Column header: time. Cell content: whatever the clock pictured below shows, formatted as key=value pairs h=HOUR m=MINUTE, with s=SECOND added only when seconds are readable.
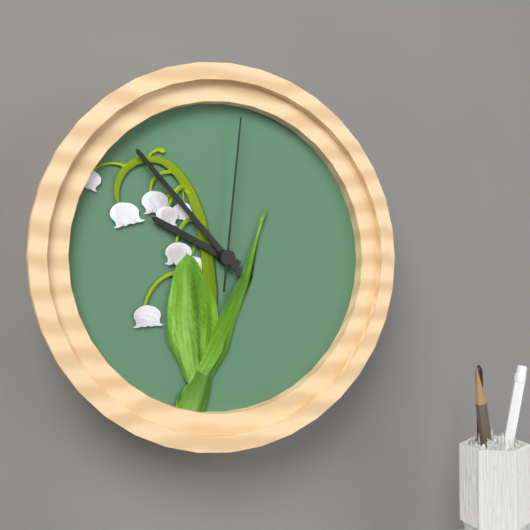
h=9 m=53 s=1
